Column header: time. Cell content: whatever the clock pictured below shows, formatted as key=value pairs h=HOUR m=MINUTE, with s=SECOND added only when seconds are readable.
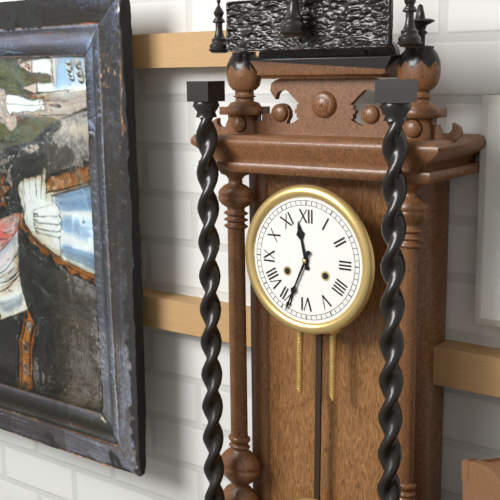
h=11 m=34
